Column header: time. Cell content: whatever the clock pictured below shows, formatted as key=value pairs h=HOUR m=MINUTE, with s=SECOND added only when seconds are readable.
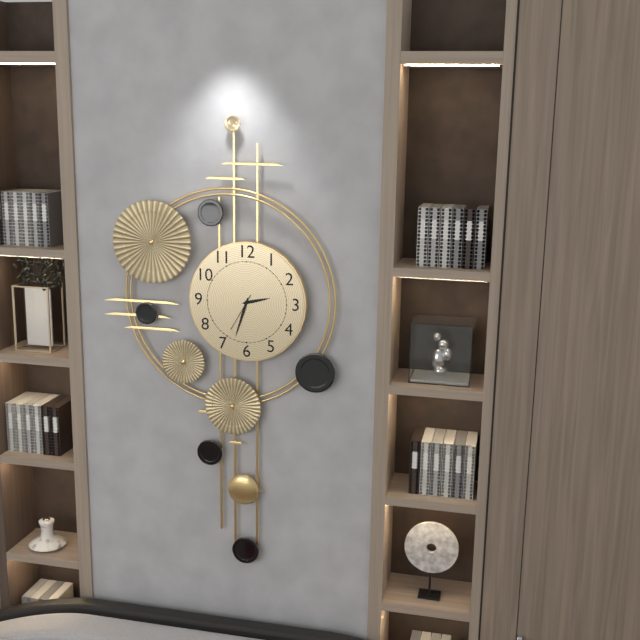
h=2 m=33
